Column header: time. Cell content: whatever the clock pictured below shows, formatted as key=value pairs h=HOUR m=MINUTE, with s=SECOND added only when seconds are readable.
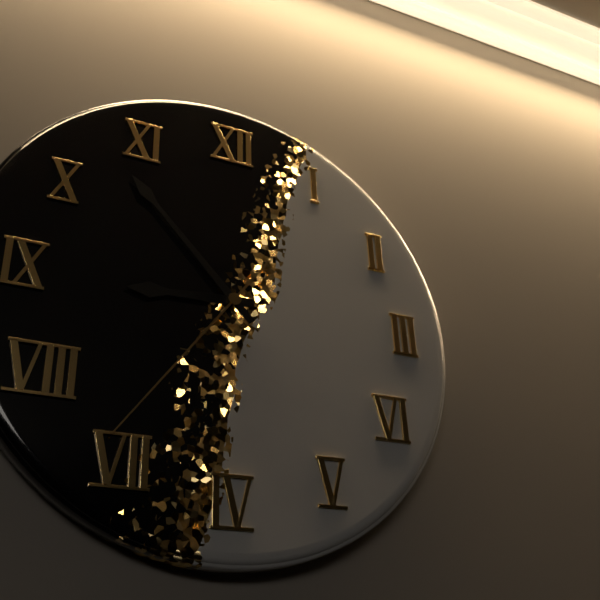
h=8 m=53 s=36
